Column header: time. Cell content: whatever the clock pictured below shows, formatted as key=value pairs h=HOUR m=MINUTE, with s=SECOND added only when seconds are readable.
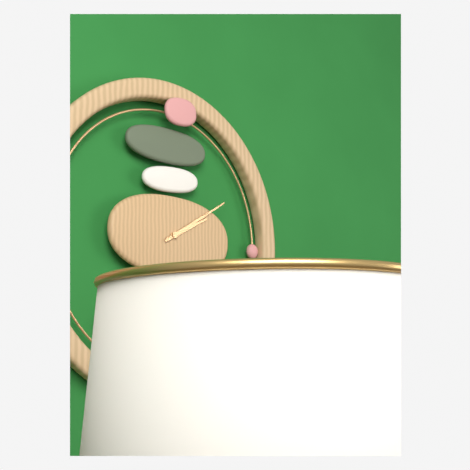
h=2 m=10
